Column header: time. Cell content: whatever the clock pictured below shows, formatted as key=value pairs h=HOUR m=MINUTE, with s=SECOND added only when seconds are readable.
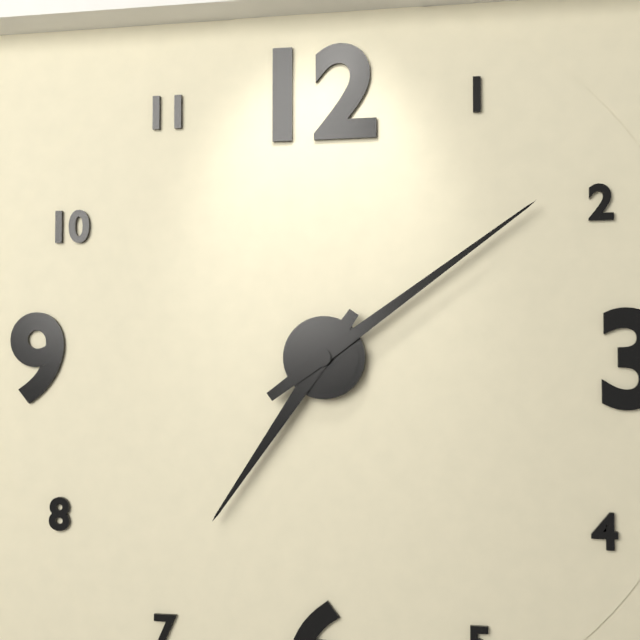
h=7 m=9
